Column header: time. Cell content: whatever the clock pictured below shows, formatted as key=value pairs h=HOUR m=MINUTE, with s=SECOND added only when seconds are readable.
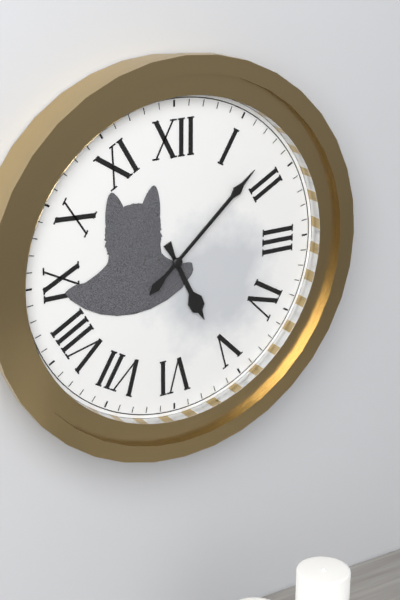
h=5 m=8
